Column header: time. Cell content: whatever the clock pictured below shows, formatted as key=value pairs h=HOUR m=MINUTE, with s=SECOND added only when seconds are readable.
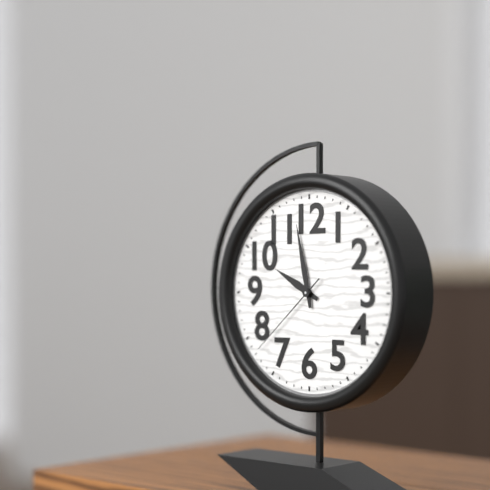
h=9 m=58 s=38
